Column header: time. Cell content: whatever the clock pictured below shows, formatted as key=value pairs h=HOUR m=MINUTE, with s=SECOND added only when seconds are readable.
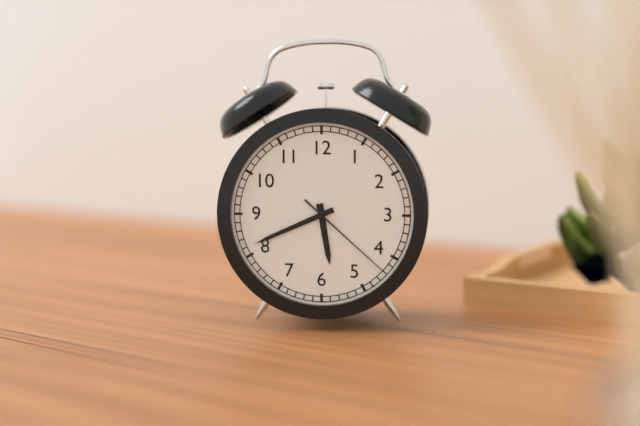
h=5 m=41 s=22
